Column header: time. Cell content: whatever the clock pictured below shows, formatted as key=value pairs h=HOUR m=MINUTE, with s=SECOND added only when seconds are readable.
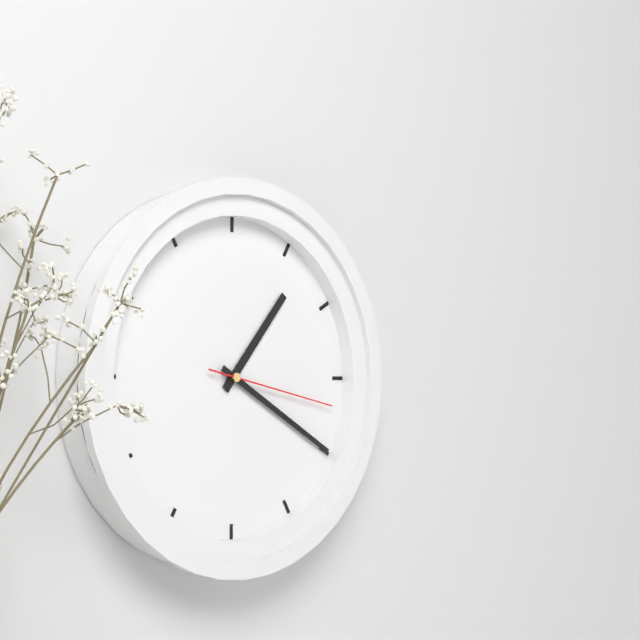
h=1 m=20 s=17
